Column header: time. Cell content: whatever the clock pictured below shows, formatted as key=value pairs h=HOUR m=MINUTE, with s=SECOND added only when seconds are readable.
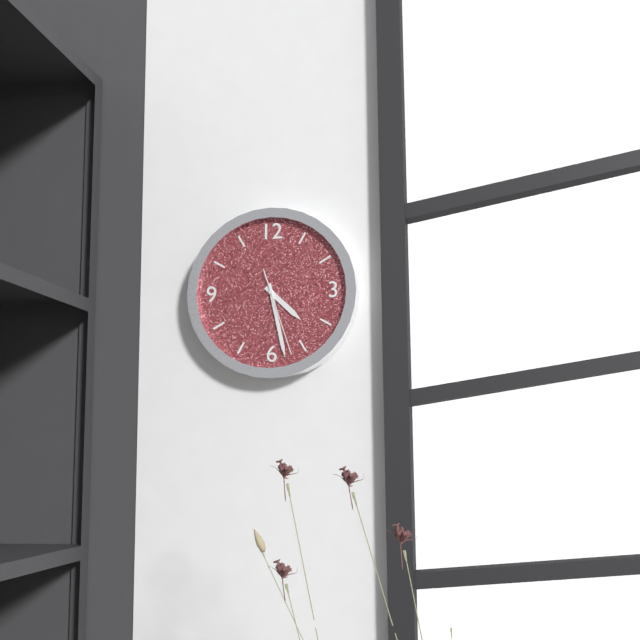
h=4 m=28 s=27
